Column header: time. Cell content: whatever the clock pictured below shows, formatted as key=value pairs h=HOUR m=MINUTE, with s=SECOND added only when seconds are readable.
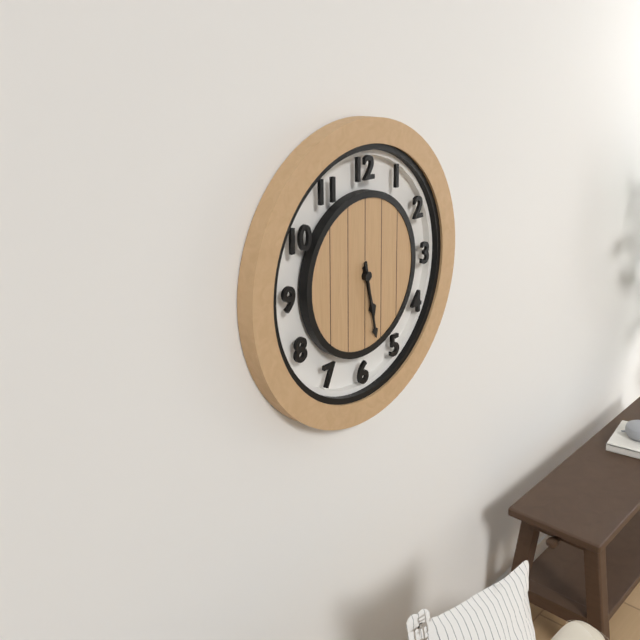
h=5 m=28
